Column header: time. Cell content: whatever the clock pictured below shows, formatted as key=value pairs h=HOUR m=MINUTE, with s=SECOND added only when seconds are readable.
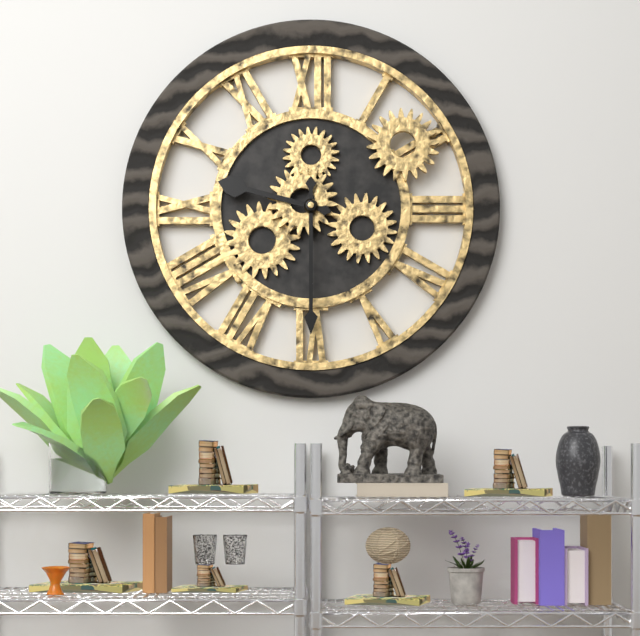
h=9 m=30
